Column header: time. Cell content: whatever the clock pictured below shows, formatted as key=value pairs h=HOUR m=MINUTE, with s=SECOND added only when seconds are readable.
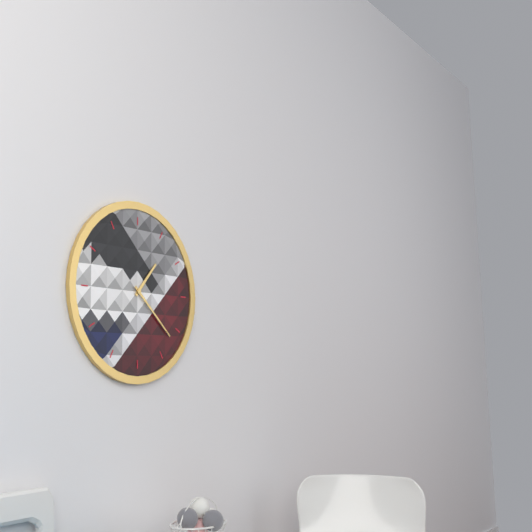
h=1 m=22
